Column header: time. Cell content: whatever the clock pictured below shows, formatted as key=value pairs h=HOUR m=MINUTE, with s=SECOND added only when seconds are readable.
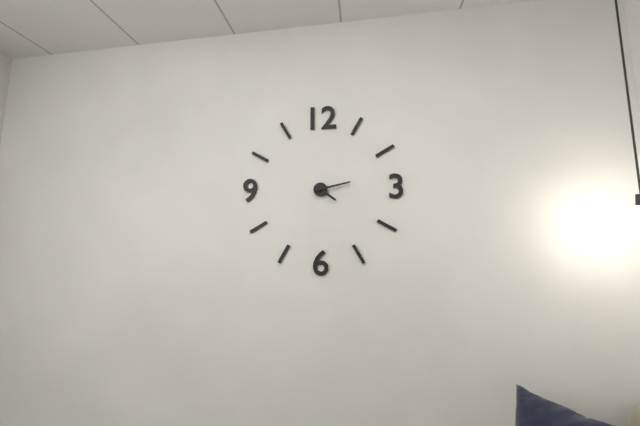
h=4 m=13
